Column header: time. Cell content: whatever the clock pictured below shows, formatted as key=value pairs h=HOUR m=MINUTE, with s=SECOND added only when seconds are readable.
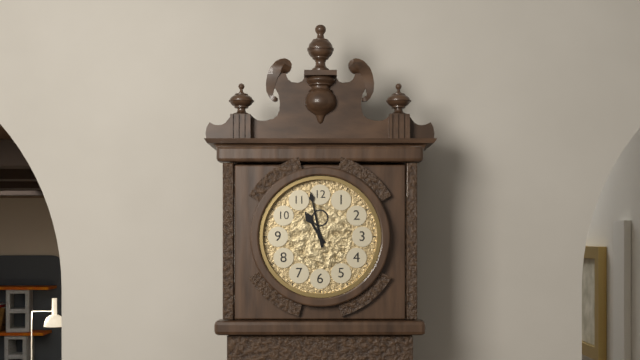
h=10 m=58
